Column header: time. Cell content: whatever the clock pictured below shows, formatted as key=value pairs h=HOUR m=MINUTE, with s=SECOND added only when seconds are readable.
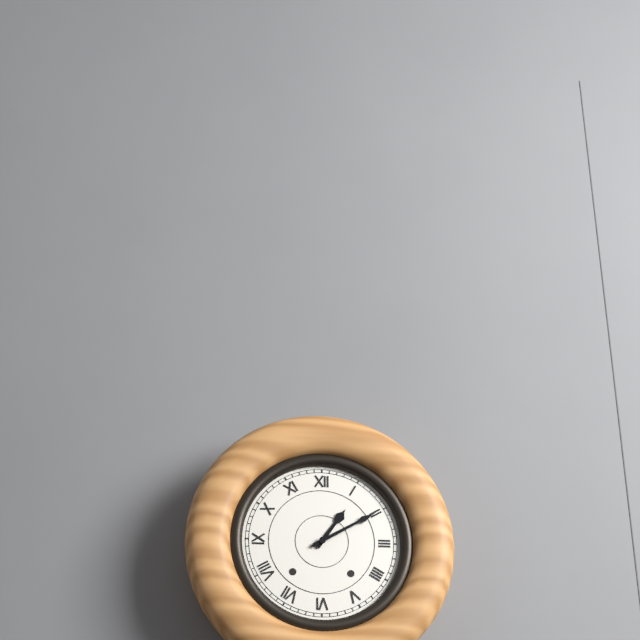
h=1 m=10
